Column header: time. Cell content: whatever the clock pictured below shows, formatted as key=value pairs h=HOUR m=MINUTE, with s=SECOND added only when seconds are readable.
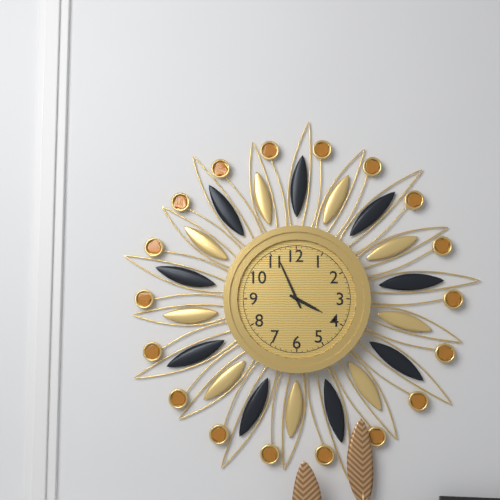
h=3 m=56
